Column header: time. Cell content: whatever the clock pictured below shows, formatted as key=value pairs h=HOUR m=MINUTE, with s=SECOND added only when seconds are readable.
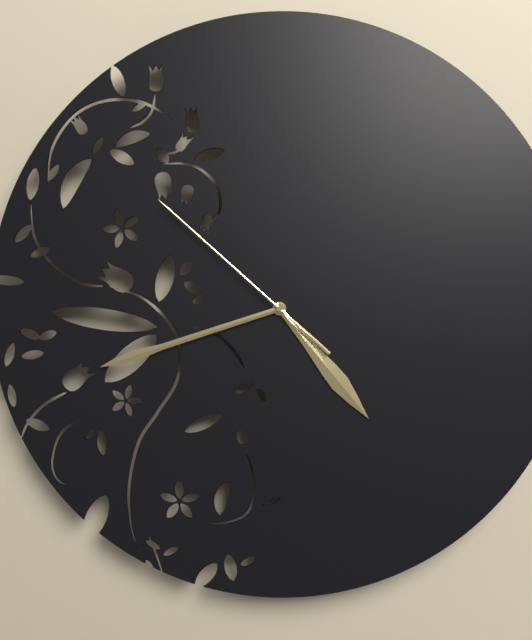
h=4 m=42 s=52
